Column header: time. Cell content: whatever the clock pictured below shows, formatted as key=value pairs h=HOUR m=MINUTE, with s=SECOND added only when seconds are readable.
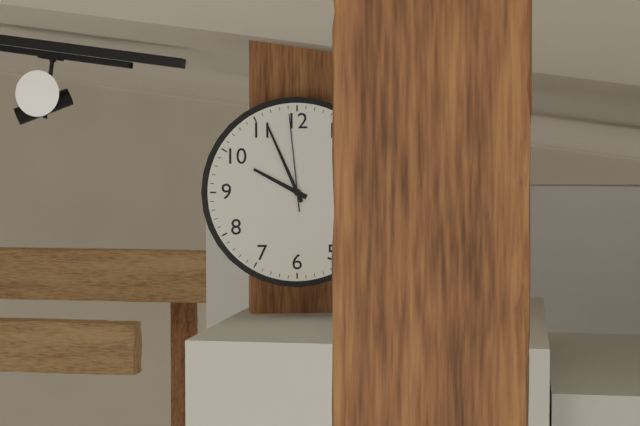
h=9 m=56 s=59
